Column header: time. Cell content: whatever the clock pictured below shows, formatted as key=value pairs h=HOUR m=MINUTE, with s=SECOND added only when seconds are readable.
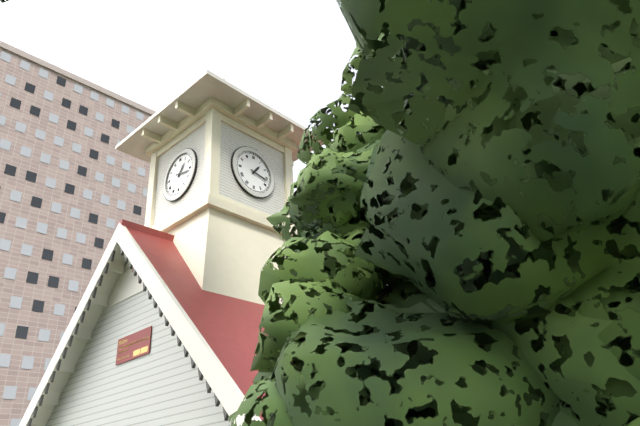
h=1 m=17
